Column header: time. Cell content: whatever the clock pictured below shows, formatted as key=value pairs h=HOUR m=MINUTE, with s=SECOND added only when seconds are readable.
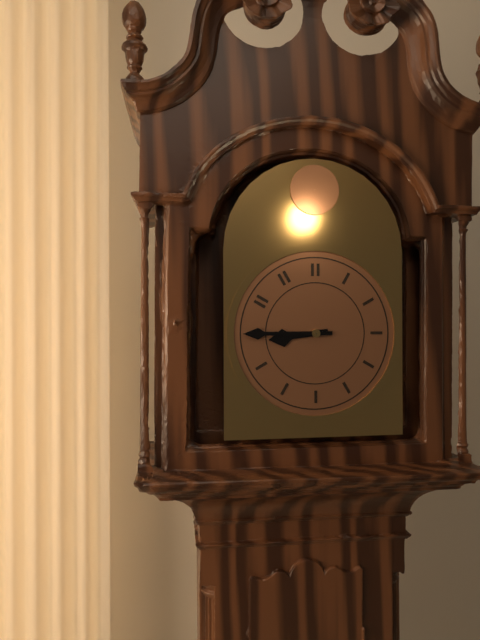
h=8 m=45
